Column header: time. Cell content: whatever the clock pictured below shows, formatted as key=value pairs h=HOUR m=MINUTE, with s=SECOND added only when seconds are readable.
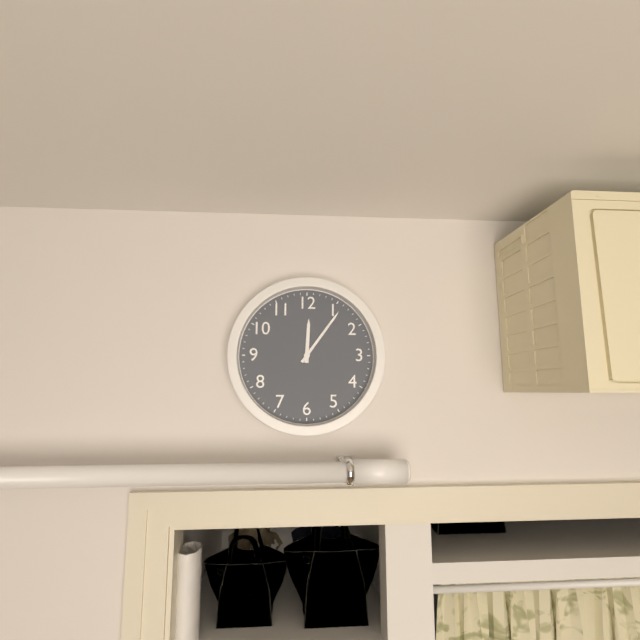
h=12 m=6
